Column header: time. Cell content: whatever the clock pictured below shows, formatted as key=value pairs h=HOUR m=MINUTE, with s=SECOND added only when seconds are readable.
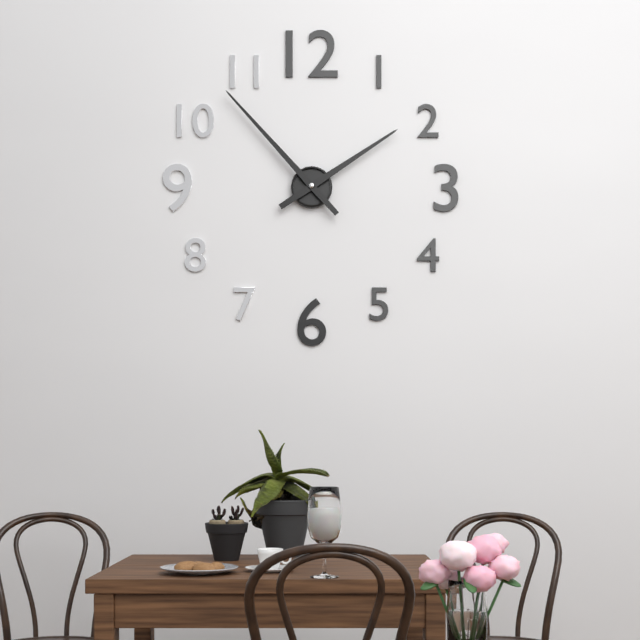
h=1 m=53
